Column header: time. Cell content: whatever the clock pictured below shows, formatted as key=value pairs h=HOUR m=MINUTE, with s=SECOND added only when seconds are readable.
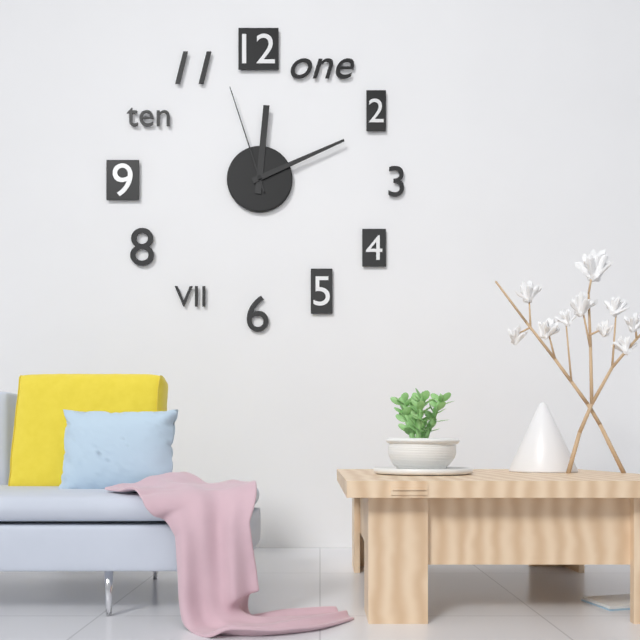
h=12 m=11 s=57
